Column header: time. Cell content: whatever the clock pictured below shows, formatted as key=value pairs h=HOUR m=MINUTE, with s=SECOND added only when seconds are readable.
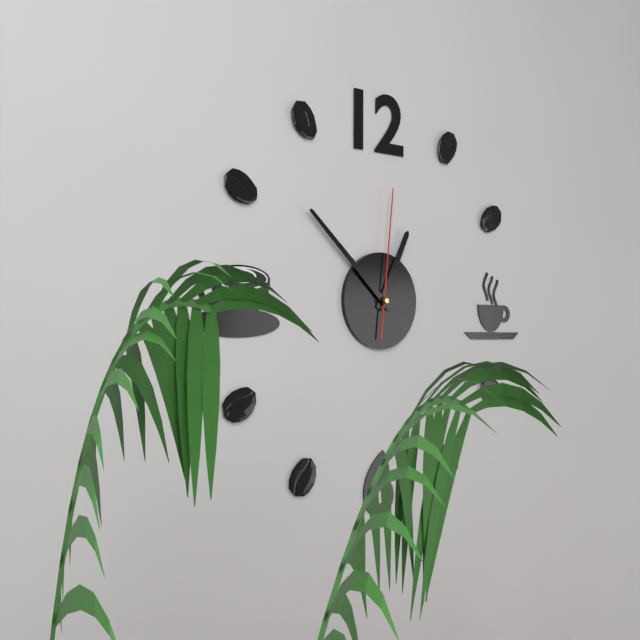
h=12 m=52 s=1
